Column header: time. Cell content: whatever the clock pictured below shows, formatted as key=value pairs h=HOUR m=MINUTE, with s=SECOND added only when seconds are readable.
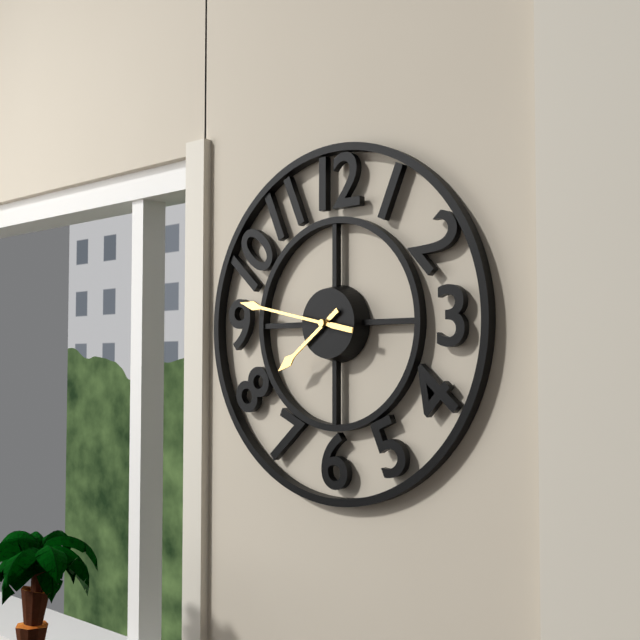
h=7 m=47
